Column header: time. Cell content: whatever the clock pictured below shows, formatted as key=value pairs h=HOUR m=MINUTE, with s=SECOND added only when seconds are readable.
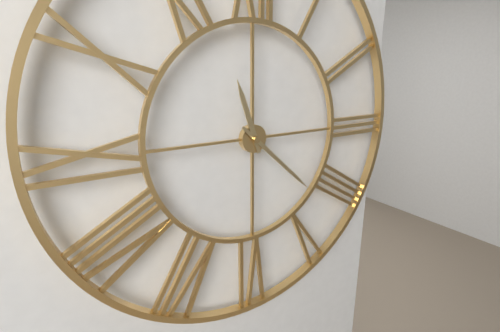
h=11 m=22
